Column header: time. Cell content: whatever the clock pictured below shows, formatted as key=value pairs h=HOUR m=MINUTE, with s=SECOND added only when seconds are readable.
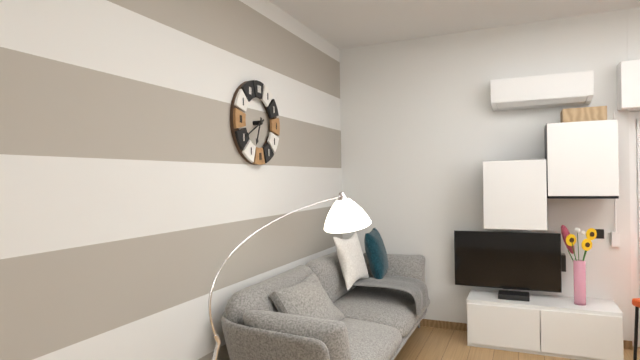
h=6 m=40
